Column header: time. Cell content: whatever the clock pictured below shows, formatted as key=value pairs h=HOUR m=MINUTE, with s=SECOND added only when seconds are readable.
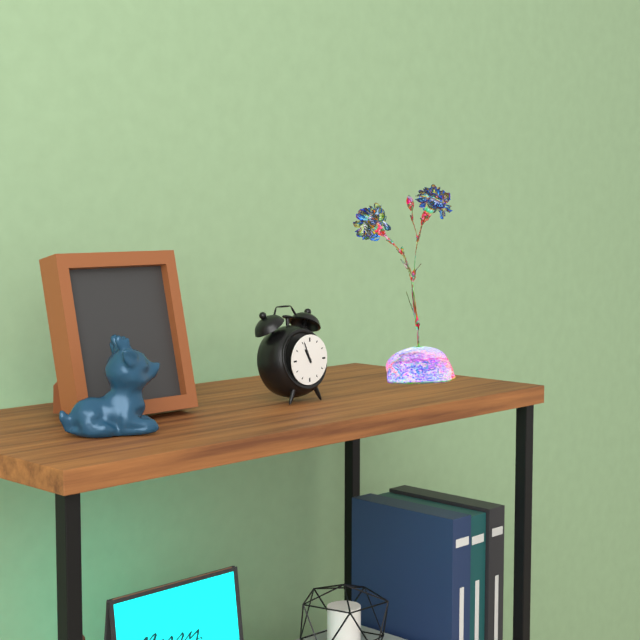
h=10 m=56
